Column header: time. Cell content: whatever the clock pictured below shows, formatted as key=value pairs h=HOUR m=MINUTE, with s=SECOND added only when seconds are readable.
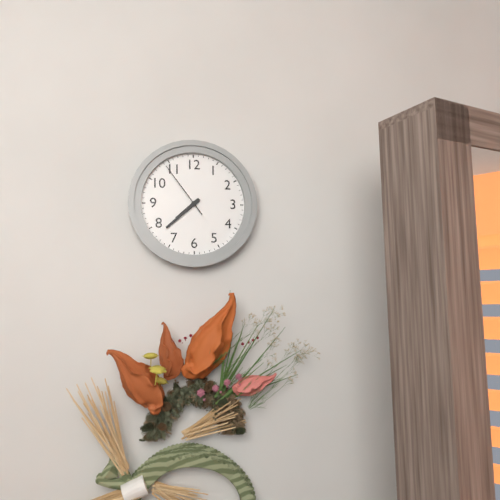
h=7 m=38 s=54
